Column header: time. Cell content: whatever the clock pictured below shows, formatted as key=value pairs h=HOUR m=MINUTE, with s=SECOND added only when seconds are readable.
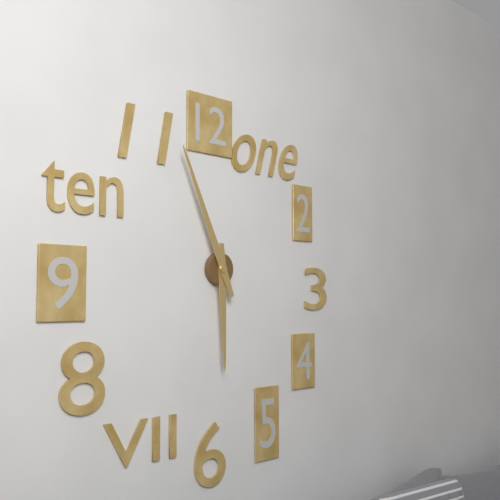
h=5 m=56
